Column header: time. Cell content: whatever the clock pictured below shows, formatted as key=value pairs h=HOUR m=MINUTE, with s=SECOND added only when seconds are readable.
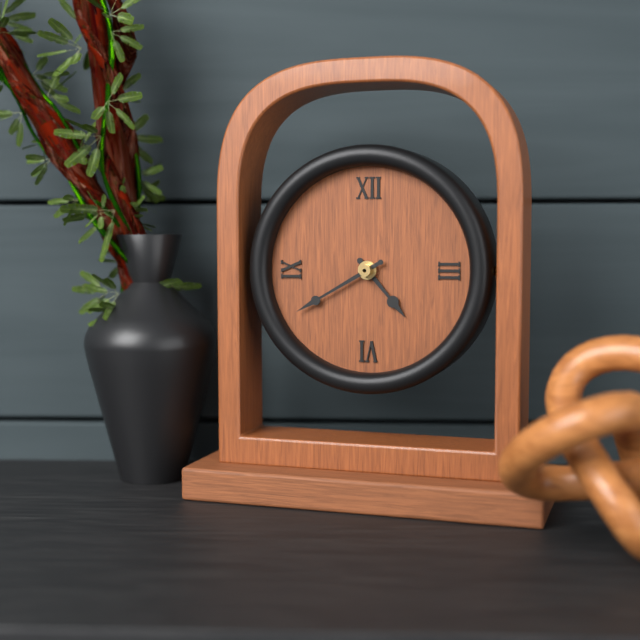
h=4 m=40
